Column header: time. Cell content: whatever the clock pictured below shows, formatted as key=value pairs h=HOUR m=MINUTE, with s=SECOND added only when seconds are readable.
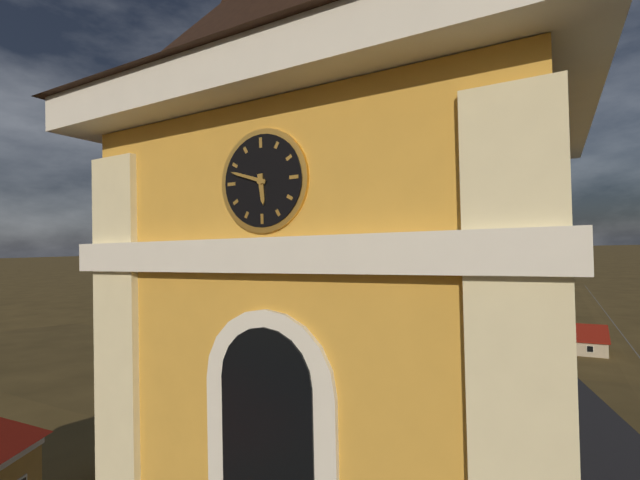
h=5 m=48
